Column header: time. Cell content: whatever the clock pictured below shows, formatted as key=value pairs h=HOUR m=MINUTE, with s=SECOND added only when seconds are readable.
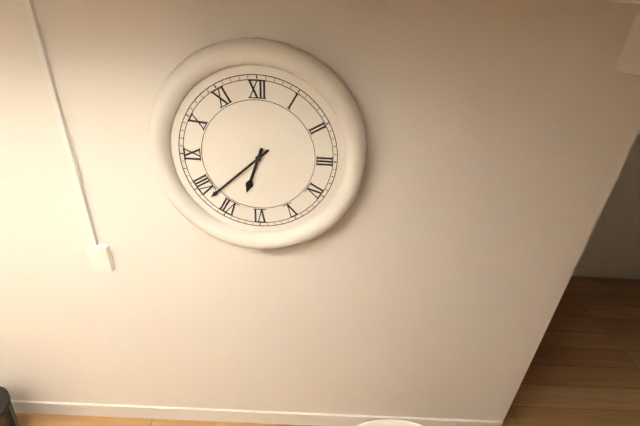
h=6 m=38
